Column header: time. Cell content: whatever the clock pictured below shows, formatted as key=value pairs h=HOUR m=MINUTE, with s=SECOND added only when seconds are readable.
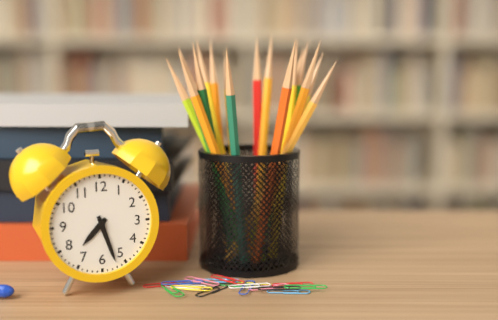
h=7 m=27
